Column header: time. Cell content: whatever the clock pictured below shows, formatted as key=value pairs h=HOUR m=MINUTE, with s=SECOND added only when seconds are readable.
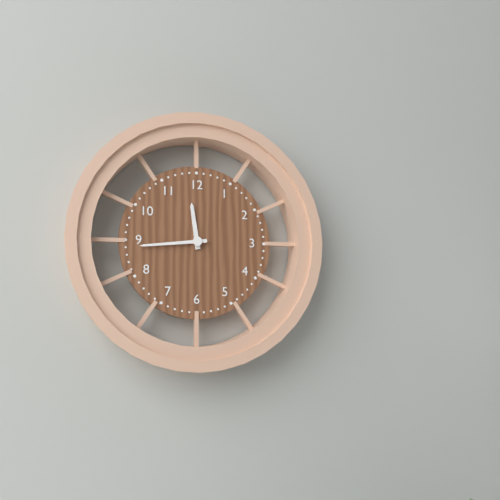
h=11 m=44
